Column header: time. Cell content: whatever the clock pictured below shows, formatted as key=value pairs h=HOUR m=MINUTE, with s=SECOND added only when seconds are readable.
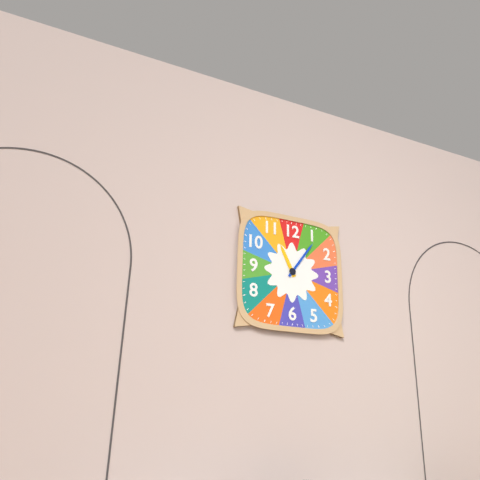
h=11 m=6
